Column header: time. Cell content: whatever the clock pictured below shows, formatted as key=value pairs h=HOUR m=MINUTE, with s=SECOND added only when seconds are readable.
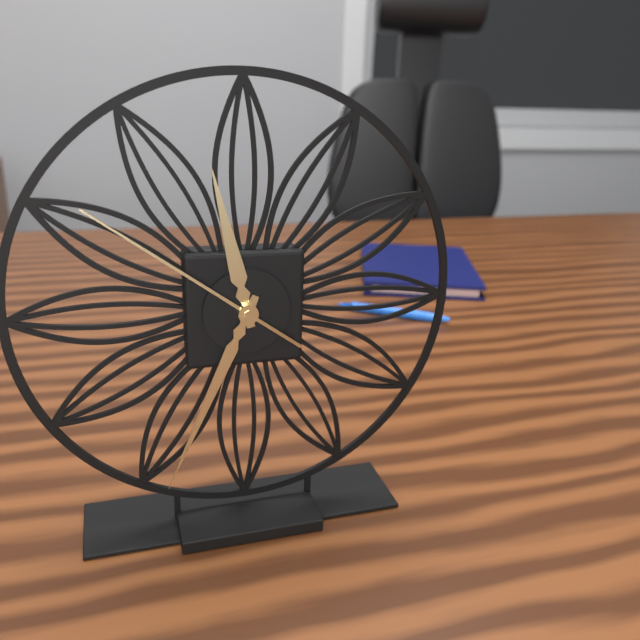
h=11 m=34 s=51
